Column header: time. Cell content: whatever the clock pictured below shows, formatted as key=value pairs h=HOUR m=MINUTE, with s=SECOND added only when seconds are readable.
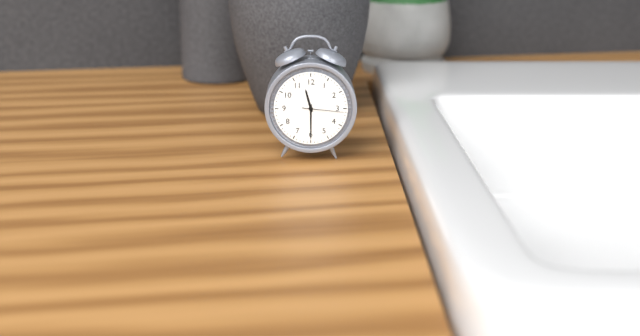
h=11 m=30
